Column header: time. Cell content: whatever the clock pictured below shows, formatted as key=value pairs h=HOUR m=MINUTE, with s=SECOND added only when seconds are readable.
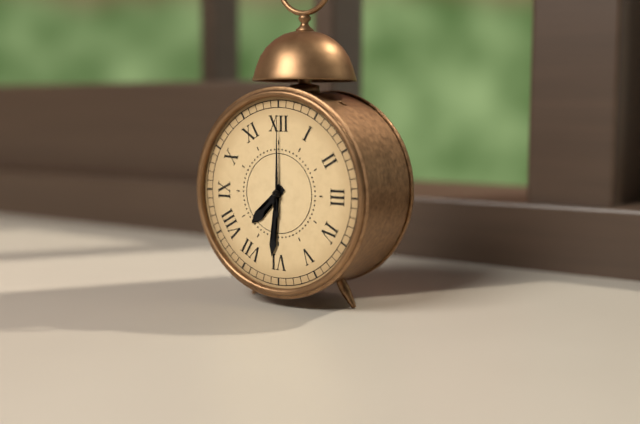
h=7 m=31 s=0
